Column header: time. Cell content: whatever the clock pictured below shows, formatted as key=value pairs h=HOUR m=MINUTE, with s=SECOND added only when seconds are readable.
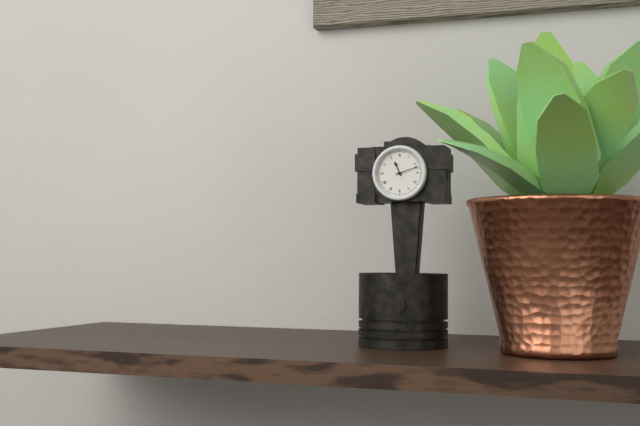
h=11 m=12
